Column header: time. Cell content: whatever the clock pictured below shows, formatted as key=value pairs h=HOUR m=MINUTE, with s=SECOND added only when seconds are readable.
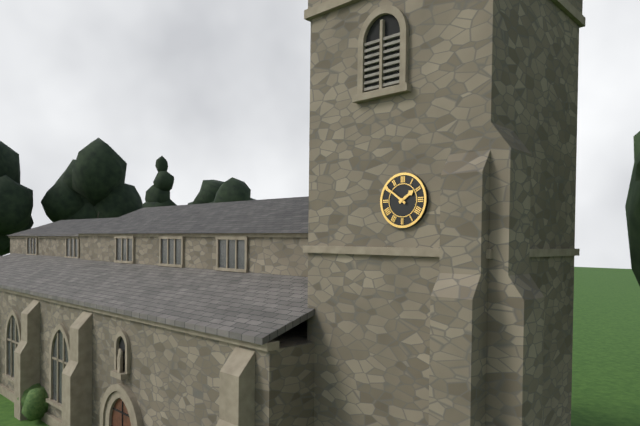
h=1 m=51
